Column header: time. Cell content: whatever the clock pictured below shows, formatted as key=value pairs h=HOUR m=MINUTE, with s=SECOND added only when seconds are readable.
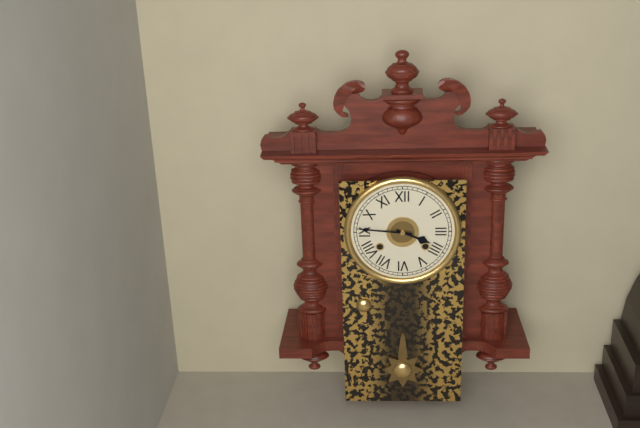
h=3 m=46
